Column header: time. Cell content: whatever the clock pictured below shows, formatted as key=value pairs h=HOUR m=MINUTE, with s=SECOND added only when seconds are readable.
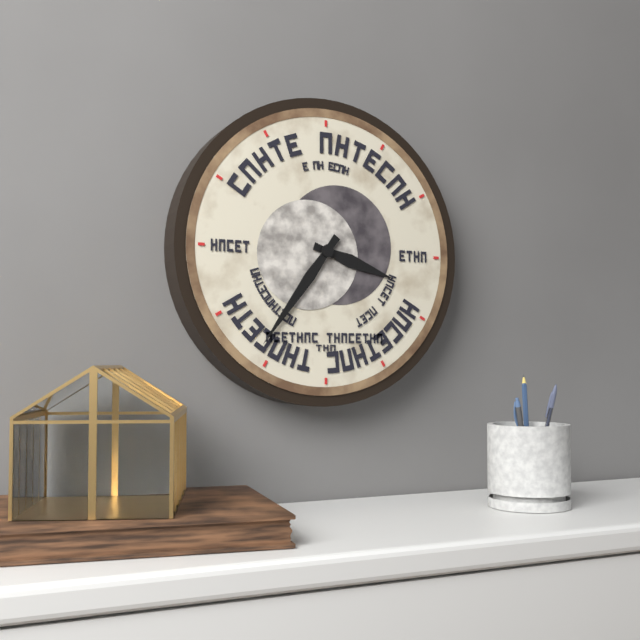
h=3 m=36
